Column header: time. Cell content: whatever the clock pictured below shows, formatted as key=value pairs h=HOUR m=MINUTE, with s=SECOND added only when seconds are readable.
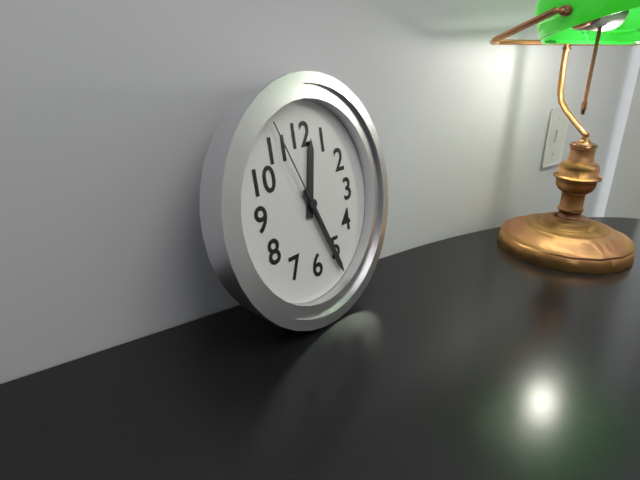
h=12 m=26 s=56
